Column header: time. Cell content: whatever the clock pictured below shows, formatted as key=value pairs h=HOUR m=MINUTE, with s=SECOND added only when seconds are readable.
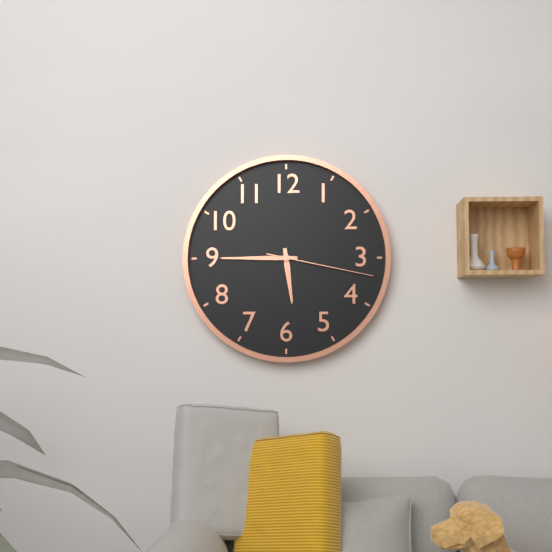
h=5 m=45 s=17
